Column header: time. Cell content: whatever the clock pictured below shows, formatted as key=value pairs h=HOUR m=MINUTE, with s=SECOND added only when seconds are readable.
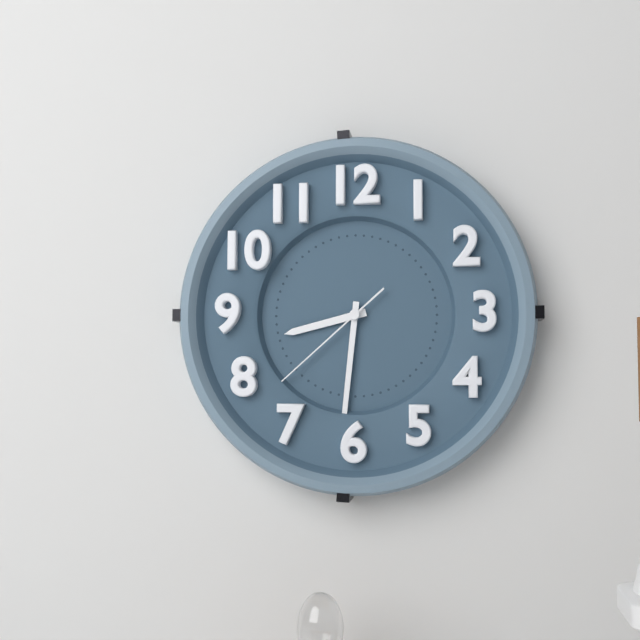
h=8 m=31 s=38
